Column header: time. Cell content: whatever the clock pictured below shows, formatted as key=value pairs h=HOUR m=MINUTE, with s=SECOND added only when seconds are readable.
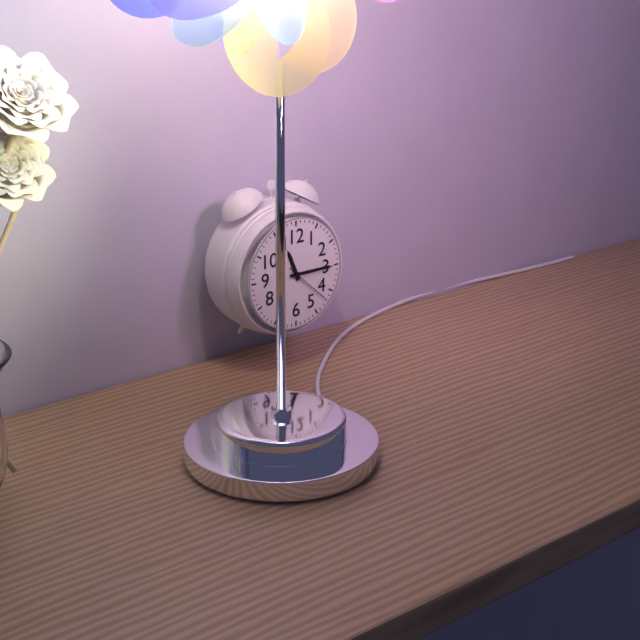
h=11 m=15
